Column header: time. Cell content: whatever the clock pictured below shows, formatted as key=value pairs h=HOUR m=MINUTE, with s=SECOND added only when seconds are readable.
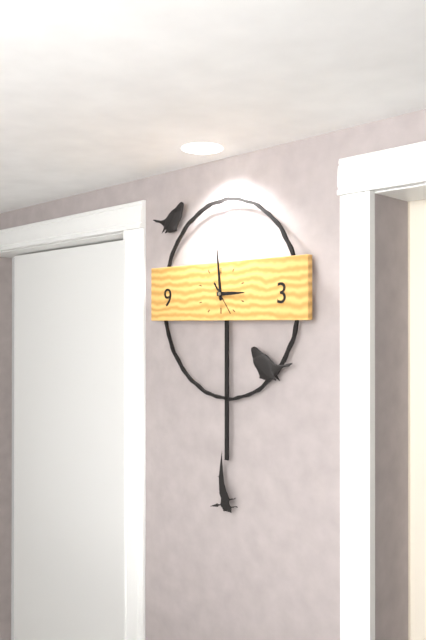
h=2 m=59
